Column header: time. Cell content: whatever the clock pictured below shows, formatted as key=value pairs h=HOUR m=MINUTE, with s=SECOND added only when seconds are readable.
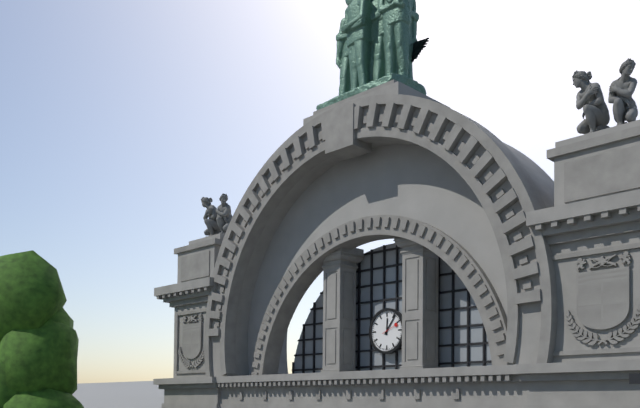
h=12 m=6
